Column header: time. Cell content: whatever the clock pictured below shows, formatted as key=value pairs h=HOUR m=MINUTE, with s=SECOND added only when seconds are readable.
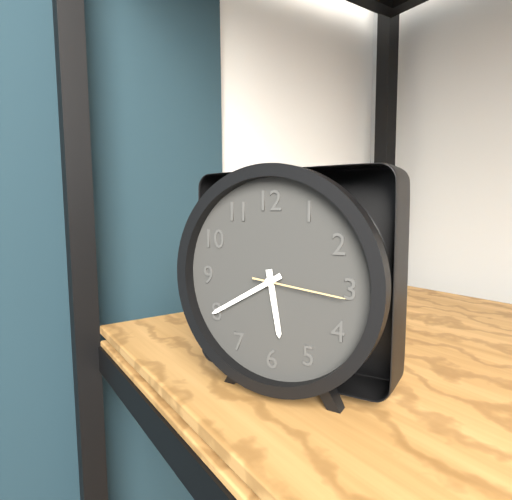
h=5 m=40 s=16
